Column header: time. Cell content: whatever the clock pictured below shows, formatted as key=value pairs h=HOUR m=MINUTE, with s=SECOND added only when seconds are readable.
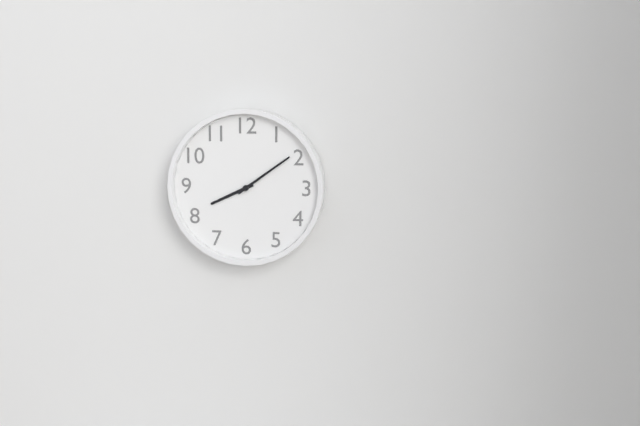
h=8 m=9
